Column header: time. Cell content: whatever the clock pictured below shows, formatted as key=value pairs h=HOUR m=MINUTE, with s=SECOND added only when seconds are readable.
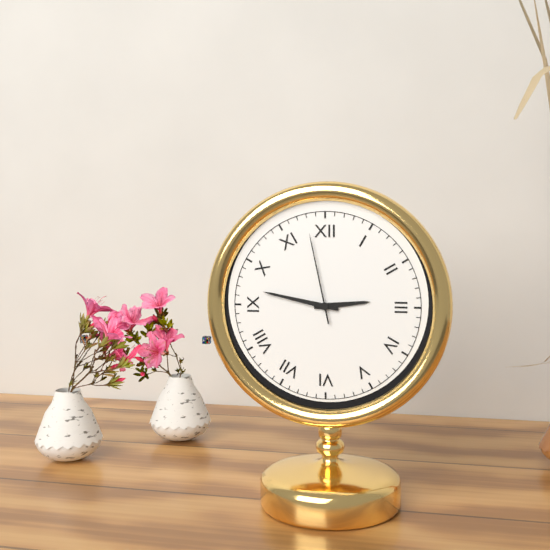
h=2 m=47 s=58
